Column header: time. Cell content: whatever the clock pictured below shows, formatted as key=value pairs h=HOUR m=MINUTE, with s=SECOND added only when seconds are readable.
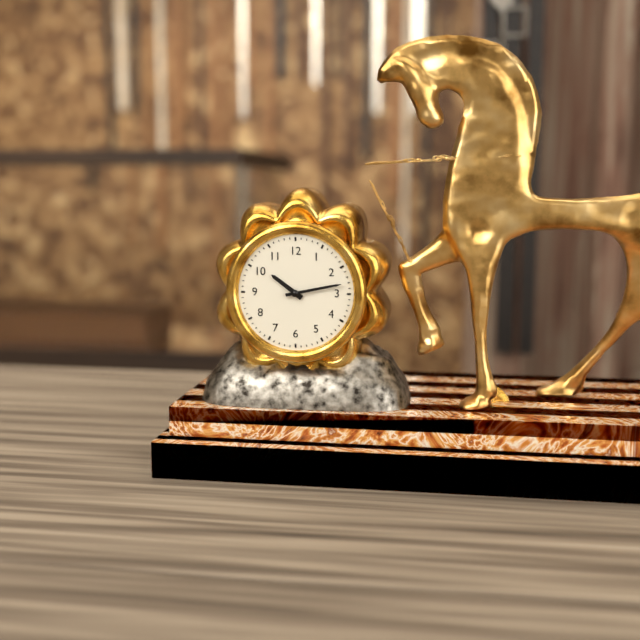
h=10 m=13
